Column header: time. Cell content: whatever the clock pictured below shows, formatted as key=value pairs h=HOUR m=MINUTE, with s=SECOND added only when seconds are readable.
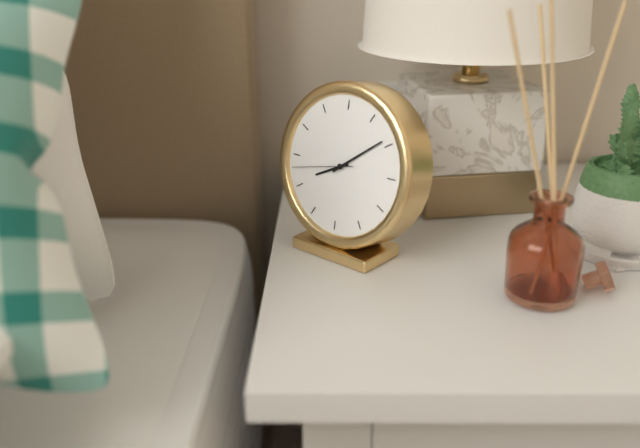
h=8 m=9 s=43
